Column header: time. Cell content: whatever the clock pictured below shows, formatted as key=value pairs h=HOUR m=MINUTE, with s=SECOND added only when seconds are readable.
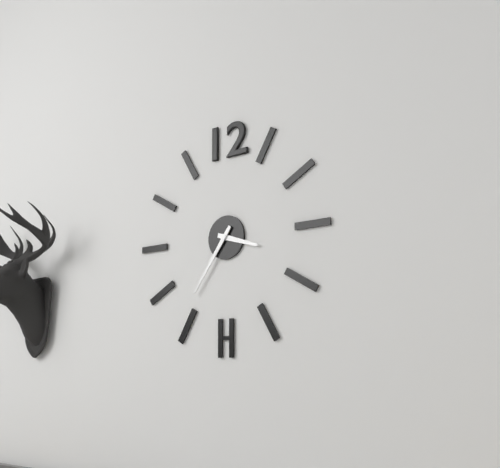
h=3 m=36
